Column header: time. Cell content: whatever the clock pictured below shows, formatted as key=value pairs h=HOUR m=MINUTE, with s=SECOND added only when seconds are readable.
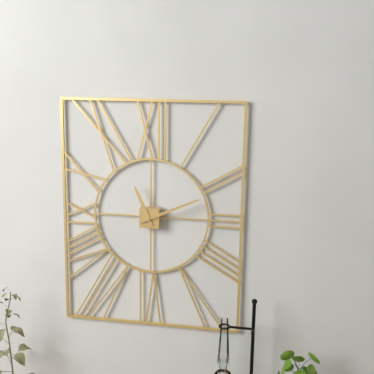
h=11 m=11
